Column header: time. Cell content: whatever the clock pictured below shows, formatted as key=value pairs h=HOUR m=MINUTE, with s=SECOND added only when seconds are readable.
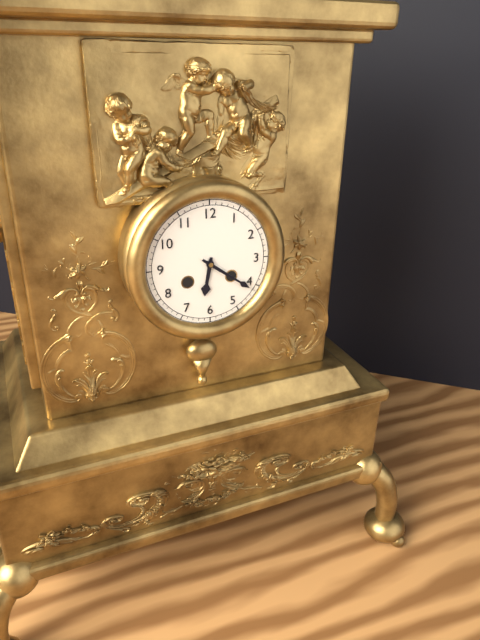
h=6 m=21
